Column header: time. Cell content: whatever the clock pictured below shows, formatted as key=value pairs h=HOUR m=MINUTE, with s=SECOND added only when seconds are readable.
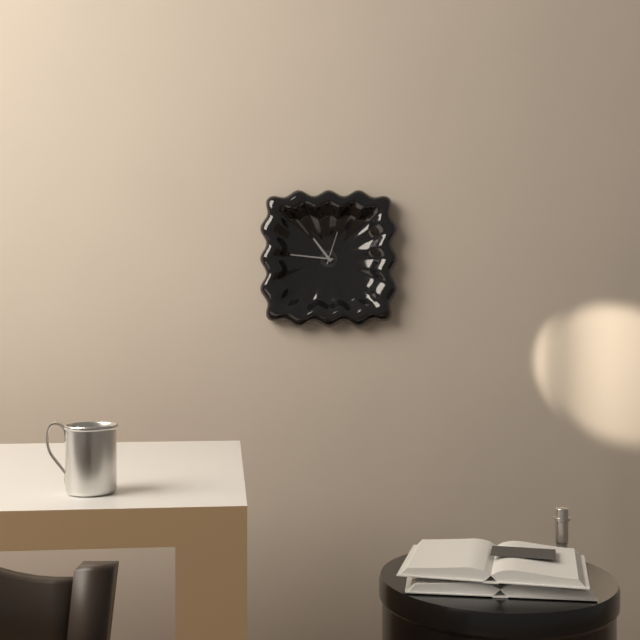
h=10 m=46
